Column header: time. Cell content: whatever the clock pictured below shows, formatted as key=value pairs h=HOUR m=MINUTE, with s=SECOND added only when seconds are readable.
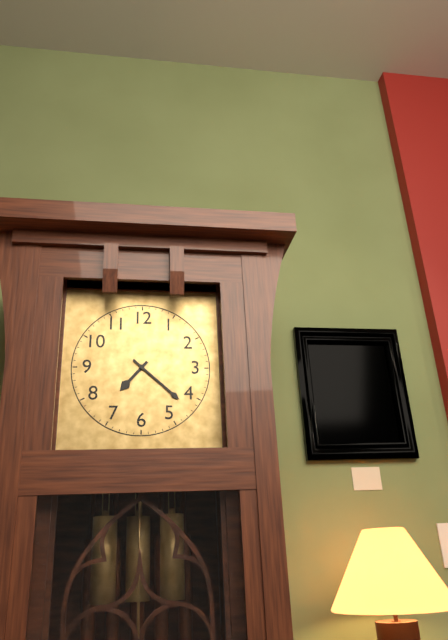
h=7 m=22
